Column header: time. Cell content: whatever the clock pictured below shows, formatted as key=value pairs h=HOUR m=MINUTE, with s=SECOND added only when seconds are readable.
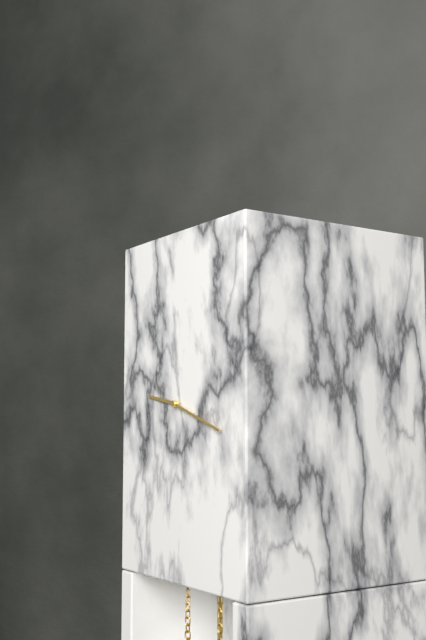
h=9 m=18
